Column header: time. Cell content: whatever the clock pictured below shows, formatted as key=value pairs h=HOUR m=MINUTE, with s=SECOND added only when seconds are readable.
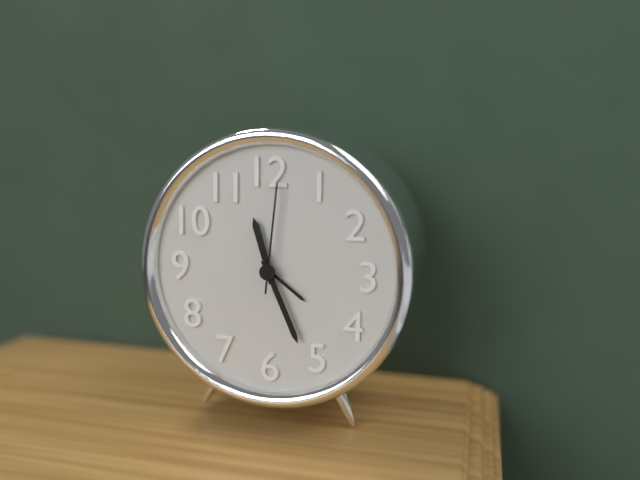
h=11 m=26 s=1
